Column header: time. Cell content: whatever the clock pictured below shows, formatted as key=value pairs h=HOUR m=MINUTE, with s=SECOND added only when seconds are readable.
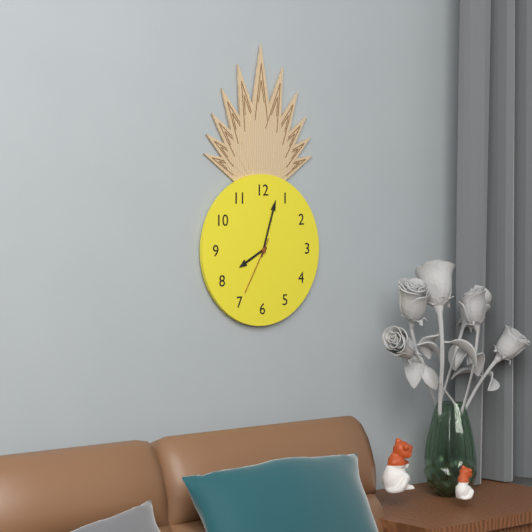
h=8 m=3 s=35
